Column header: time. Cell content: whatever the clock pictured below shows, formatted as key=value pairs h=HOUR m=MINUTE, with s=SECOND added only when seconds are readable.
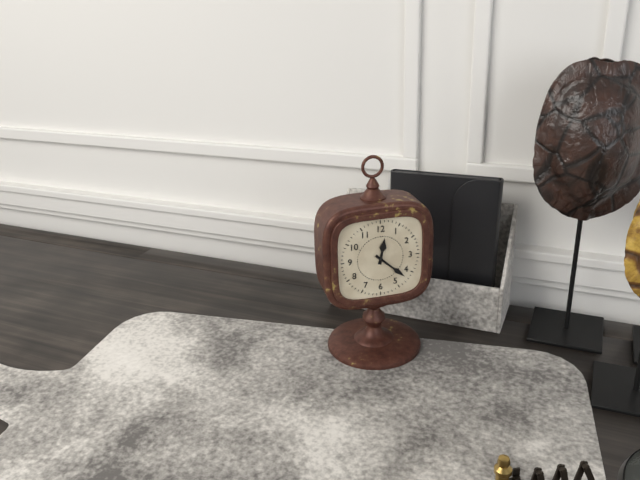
h=12 m=22
